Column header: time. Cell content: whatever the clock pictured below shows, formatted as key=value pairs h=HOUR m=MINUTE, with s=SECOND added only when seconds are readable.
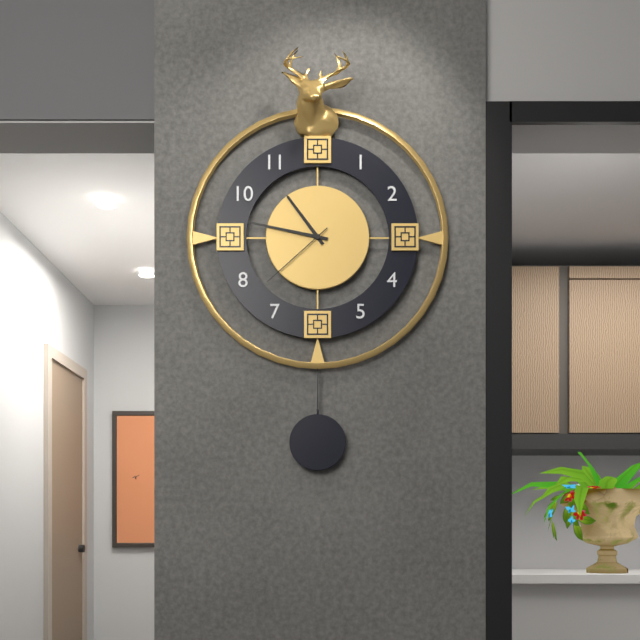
h=10 m=47 s=38
